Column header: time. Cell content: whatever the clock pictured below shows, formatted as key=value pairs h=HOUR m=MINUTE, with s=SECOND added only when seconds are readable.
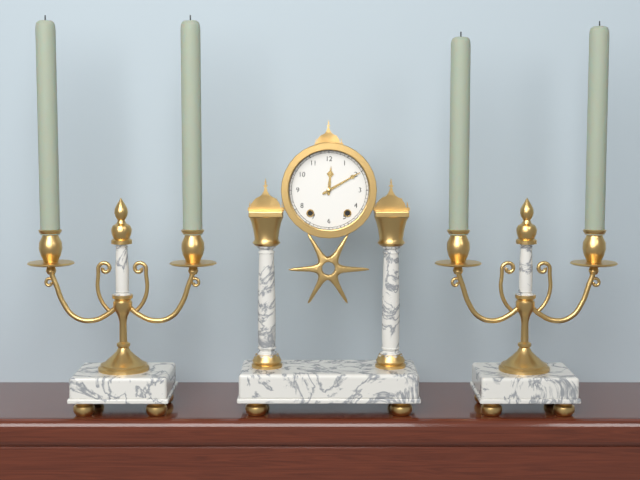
h=12 m=10
